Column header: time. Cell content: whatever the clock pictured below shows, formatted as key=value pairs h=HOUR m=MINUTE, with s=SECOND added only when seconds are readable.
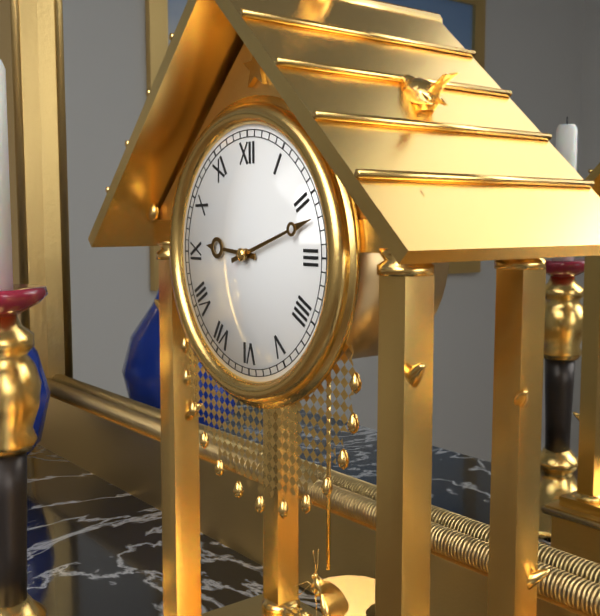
h=9 m=12
